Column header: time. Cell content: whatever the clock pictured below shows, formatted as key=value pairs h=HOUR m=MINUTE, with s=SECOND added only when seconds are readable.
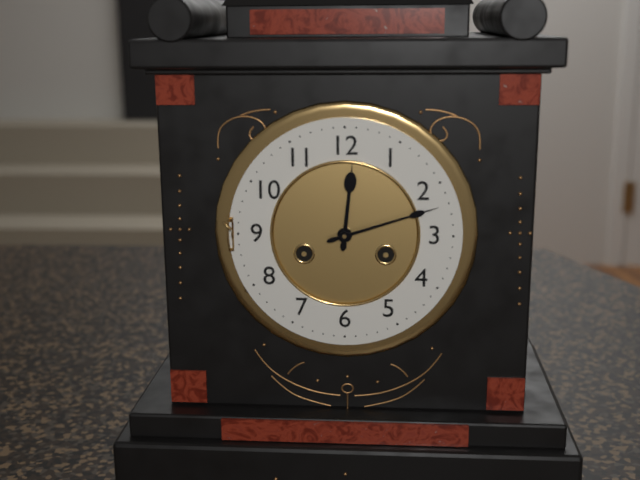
h=12 m=12
